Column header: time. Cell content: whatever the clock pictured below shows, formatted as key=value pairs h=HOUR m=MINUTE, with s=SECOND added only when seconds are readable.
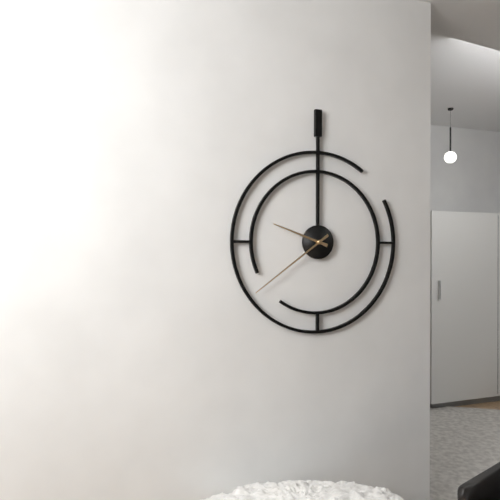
h=9 m=39
